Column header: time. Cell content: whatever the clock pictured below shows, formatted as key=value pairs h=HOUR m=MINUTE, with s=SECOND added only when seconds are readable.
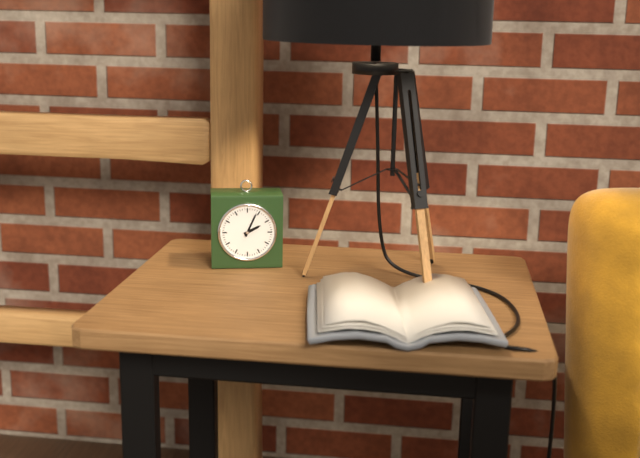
h=2 m=4
